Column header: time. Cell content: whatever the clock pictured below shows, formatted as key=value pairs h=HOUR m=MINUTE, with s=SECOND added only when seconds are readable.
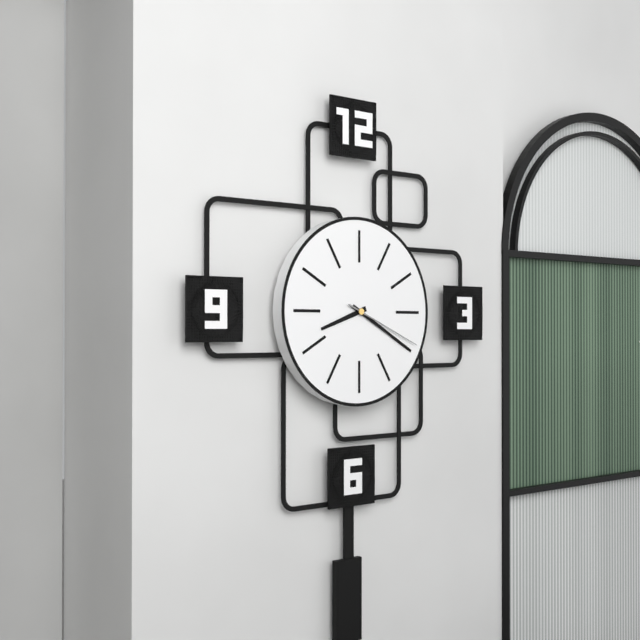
h=8 m=20 s=19
